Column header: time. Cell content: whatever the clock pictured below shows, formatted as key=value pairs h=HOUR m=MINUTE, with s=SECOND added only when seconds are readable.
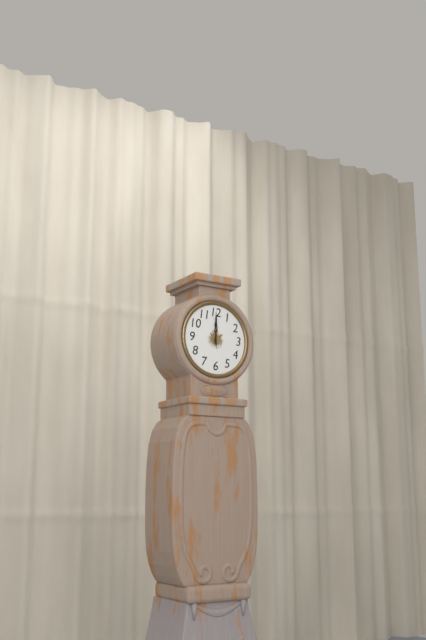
h=12 m=0
